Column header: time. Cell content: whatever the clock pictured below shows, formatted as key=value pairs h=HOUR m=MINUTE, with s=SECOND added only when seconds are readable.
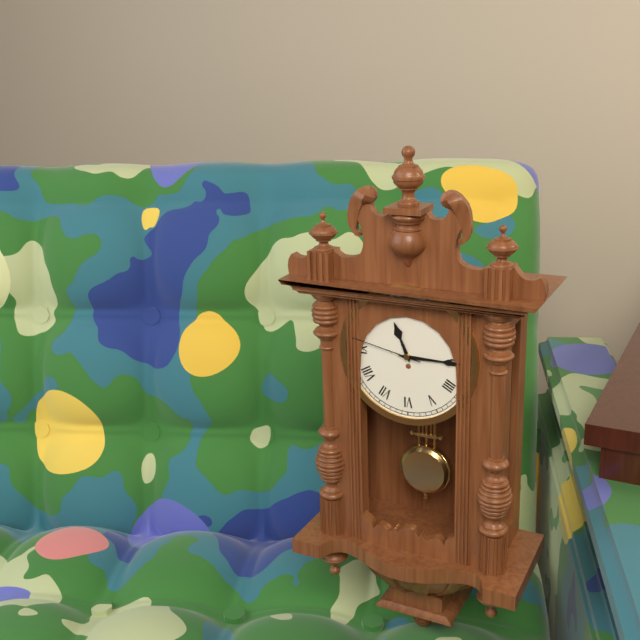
h=11 m=15 s=47
